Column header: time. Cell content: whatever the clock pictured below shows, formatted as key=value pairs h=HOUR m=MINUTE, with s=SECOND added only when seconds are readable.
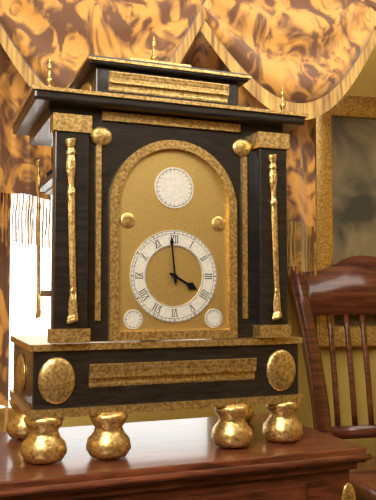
h=3 m=59
